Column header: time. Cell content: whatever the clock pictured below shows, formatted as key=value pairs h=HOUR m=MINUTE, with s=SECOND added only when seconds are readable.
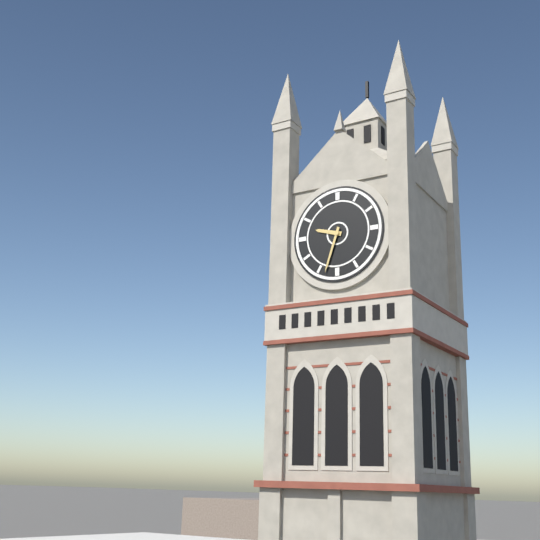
h=9 m=33
